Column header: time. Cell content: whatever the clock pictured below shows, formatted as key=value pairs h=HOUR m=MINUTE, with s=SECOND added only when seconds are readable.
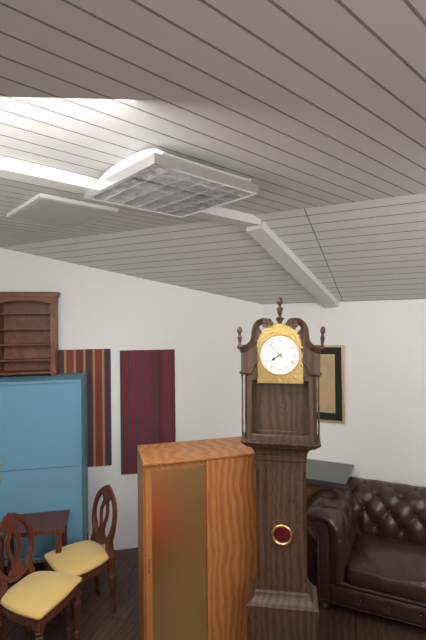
h=7 m=53
